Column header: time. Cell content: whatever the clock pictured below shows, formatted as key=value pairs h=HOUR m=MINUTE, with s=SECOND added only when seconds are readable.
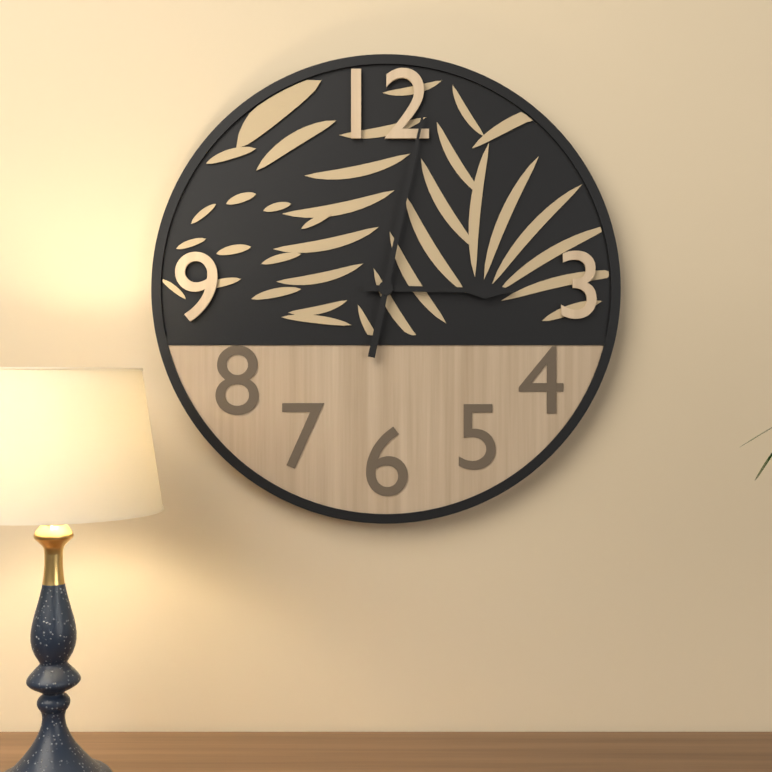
h=3 m=2
